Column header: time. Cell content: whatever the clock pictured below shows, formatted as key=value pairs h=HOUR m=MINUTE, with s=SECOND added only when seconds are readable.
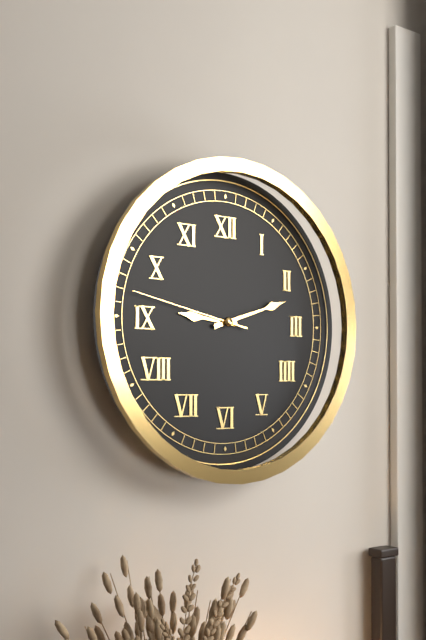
h=9 m=12 s=47
